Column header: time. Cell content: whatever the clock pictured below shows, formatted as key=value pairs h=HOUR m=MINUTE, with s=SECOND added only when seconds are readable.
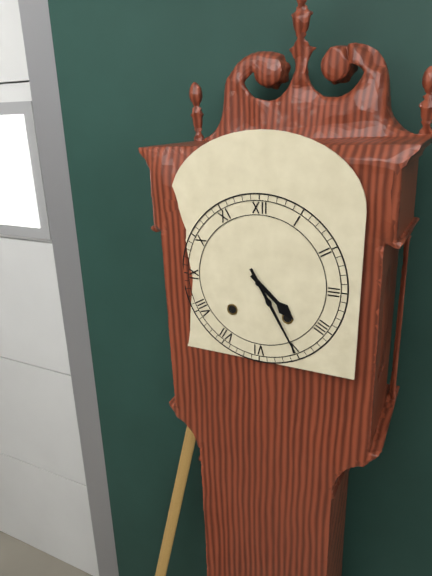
h=4 m=25
